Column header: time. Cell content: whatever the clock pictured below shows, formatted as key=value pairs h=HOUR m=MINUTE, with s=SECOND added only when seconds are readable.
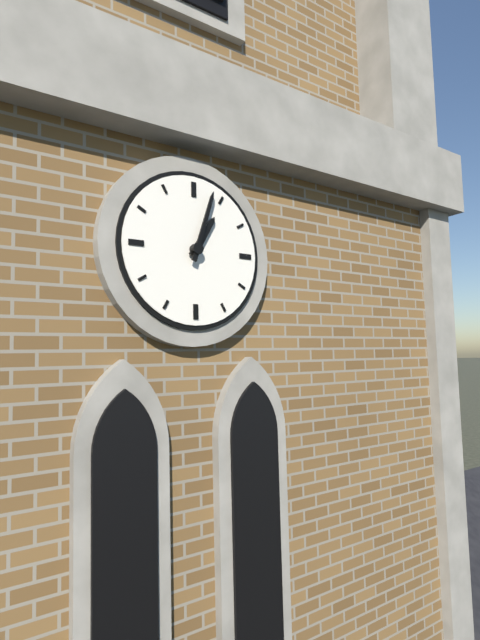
h=1 m=3
